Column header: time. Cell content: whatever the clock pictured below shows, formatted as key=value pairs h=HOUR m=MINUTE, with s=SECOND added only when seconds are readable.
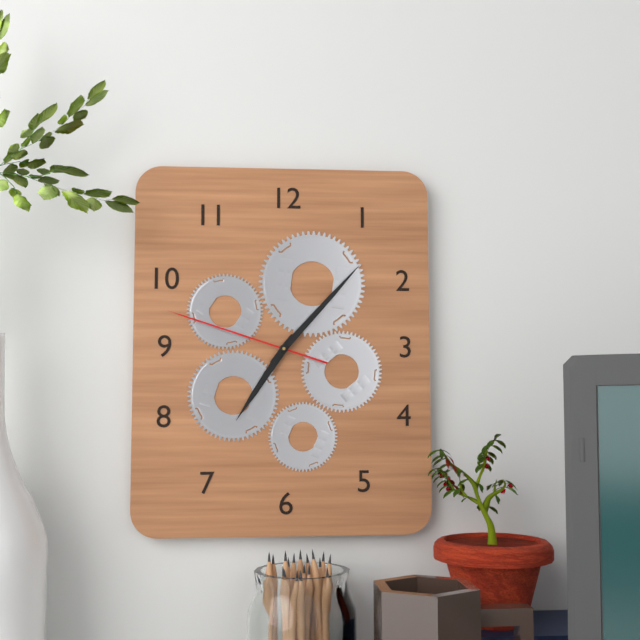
h=7 m=7 s=48
